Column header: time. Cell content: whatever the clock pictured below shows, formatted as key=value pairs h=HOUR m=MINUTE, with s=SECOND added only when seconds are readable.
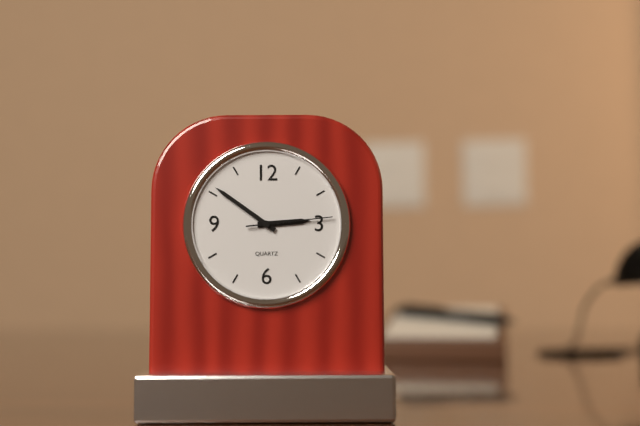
h=2 m=51 s=14
